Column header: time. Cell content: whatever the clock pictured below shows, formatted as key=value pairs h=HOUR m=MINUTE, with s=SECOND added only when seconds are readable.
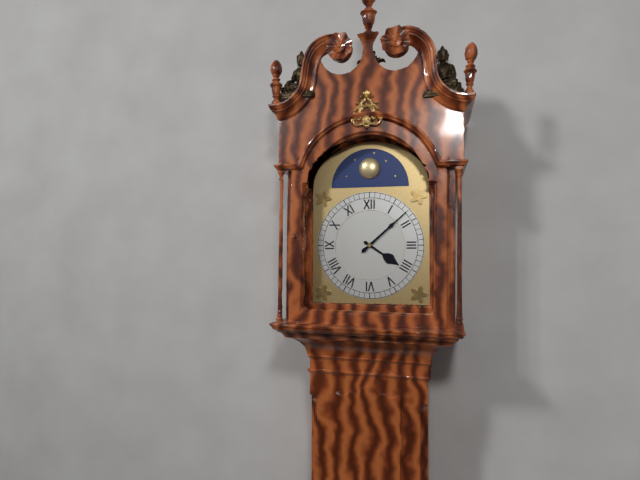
h=4 m=8
